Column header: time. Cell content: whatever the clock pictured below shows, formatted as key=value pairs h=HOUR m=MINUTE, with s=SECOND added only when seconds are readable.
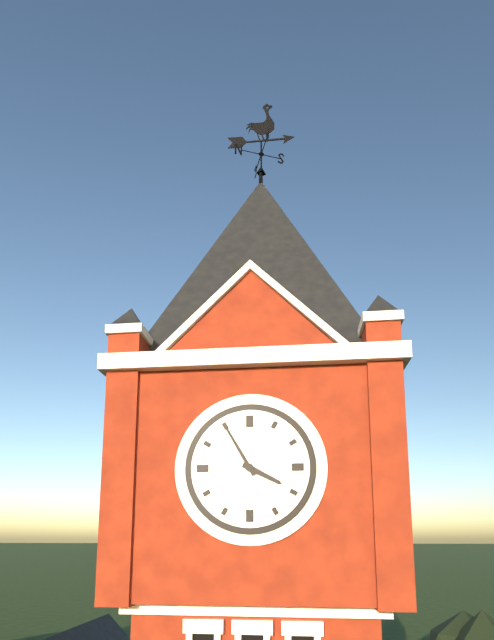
h=3 m=55
